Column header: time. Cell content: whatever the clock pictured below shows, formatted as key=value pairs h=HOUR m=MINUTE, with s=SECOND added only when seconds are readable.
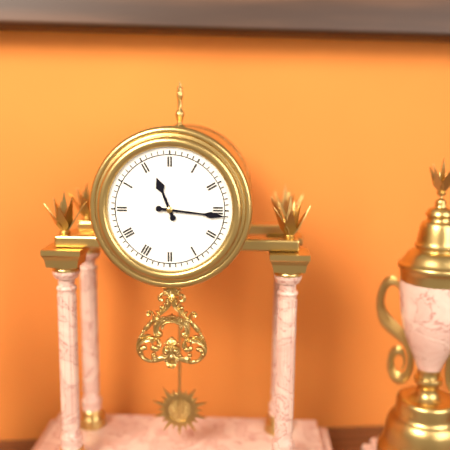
h=11 m=16
